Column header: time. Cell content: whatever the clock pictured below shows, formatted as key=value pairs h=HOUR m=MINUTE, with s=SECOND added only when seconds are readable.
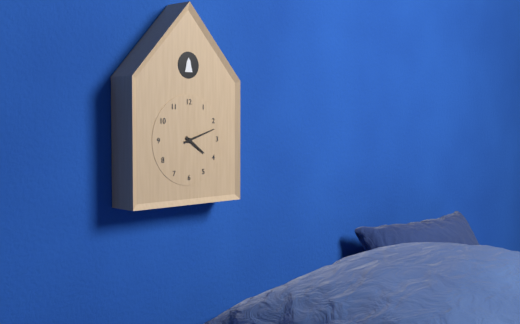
h=4 m=12
